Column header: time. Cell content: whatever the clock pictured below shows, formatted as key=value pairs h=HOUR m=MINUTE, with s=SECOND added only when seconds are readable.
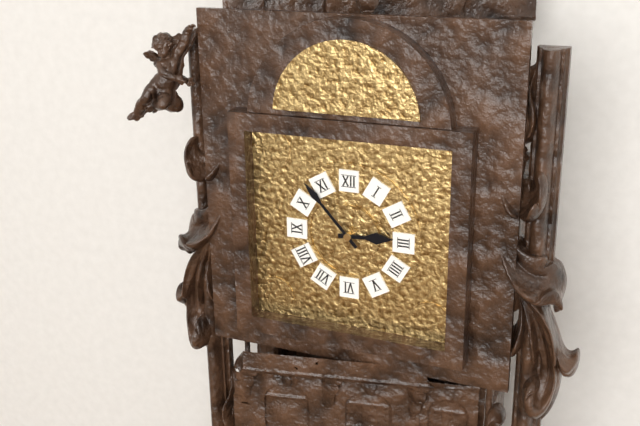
h=2 m=53
